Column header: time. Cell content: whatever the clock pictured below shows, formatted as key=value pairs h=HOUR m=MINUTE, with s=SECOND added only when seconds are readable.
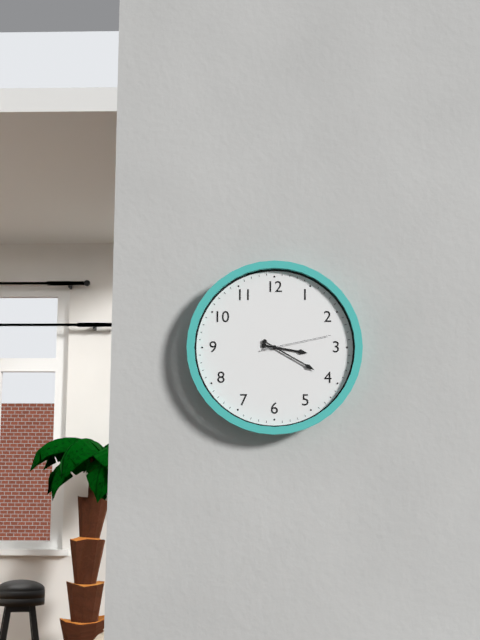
h=3 m=20 s=13
